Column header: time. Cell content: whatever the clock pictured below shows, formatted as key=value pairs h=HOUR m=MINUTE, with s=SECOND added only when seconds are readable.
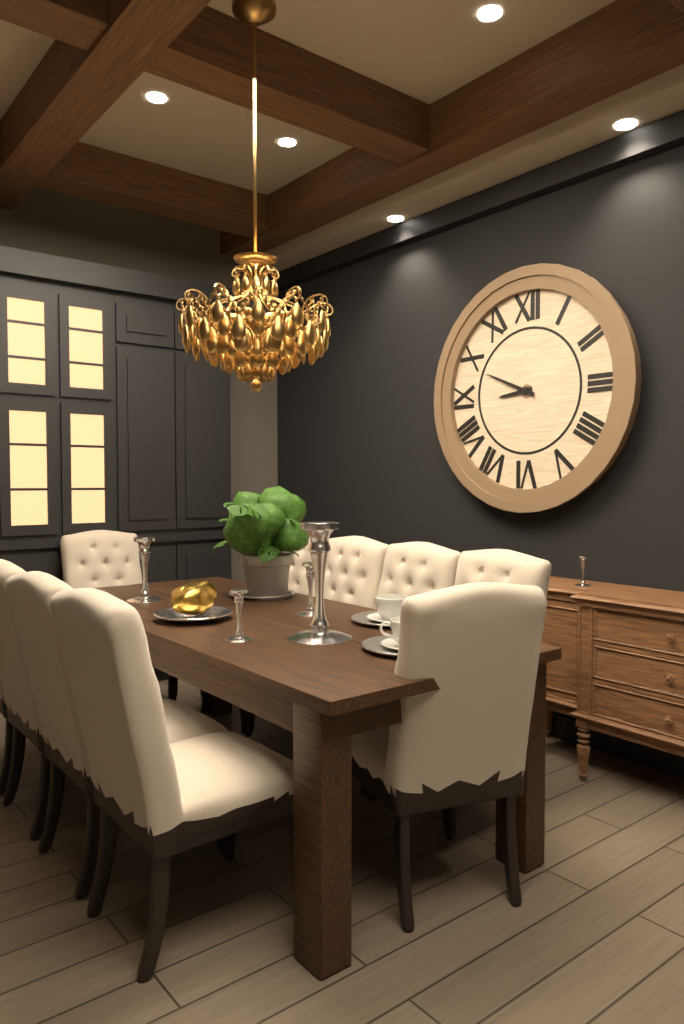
h=8 m=49
